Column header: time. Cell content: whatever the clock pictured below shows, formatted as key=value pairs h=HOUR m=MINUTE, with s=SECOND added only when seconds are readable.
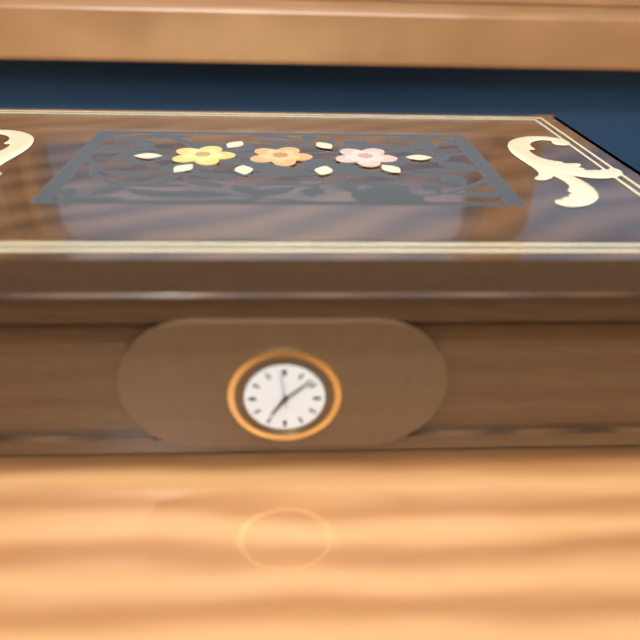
h=7 m=8 s=59
